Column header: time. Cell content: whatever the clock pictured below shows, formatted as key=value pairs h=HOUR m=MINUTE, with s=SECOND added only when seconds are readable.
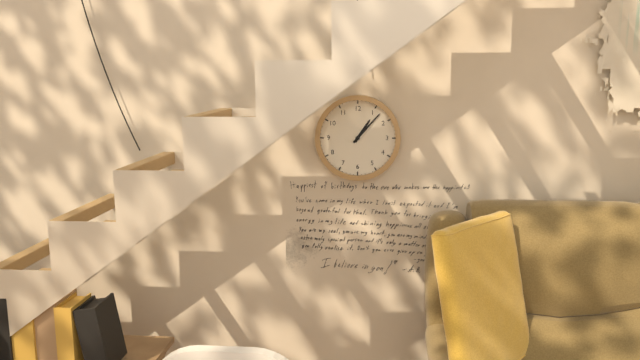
h=1 m=7
